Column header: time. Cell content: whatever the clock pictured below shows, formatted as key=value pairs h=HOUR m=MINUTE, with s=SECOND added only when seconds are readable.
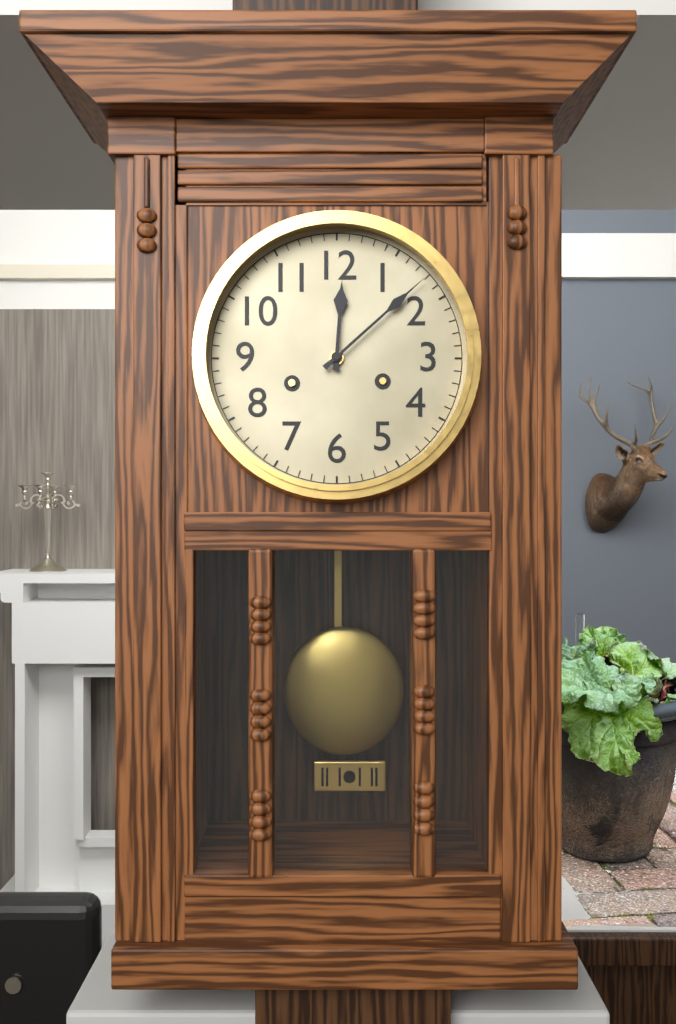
h=12 m=8
